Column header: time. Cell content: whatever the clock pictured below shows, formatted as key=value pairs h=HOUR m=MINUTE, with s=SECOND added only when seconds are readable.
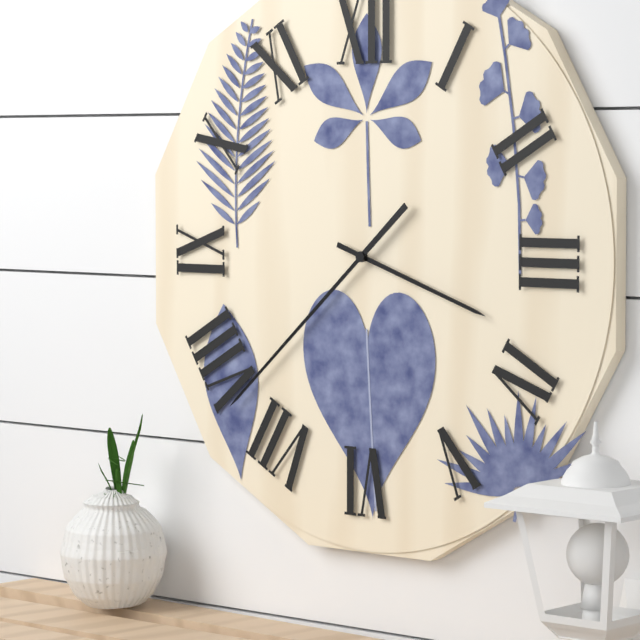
h=3 m=38
